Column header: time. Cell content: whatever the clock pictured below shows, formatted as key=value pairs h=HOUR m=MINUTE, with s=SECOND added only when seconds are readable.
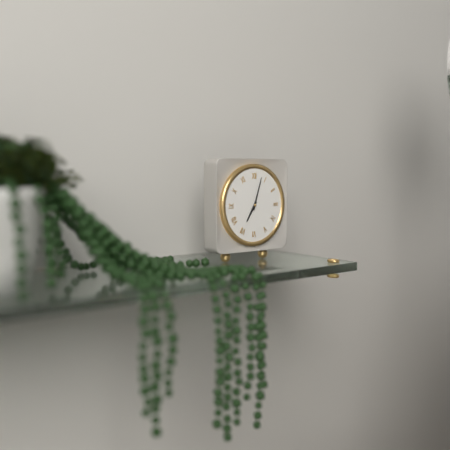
h=7 m=3
